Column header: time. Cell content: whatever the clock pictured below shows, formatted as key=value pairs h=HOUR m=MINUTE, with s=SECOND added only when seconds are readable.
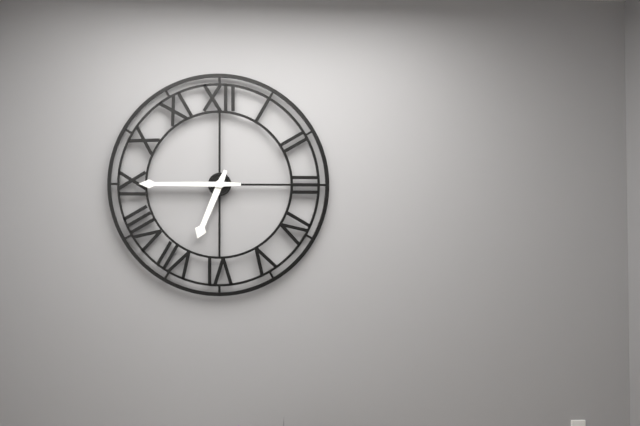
h=6 m=45
